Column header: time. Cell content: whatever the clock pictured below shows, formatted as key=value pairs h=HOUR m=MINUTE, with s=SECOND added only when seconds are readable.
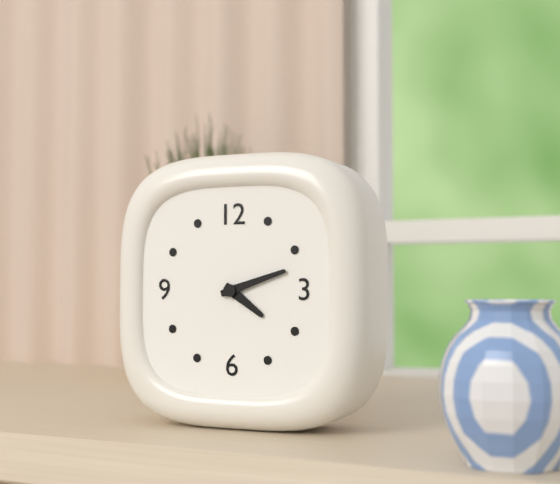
h=4 m=12
